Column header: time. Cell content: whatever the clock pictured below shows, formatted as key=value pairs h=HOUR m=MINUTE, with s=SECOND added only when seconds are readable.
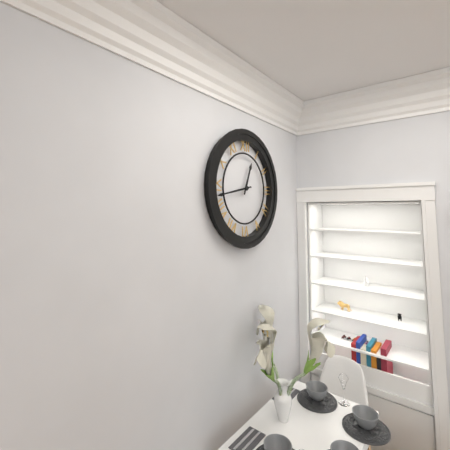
h=12 m=43
